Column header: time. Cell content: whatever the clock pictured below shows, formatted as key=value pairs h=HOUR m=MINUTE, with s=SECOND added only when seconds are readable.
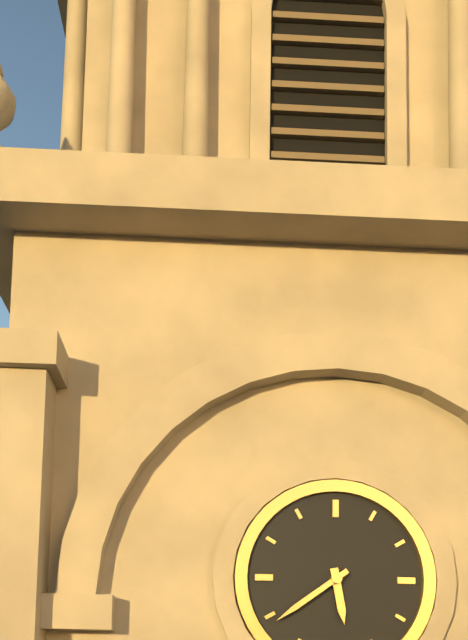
h=5 m=39
